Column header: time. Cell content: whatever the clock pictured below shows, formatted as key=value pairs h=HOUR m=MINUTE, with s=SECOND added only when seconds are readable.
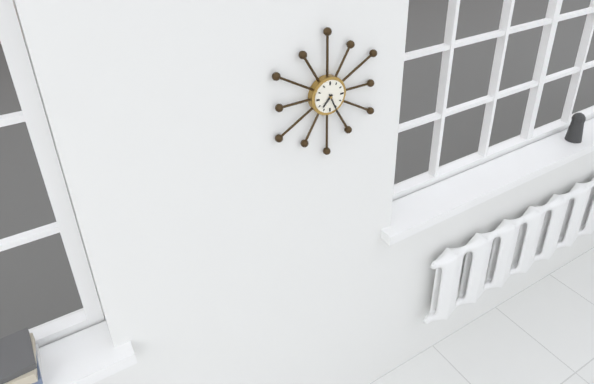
h=7 m=26
